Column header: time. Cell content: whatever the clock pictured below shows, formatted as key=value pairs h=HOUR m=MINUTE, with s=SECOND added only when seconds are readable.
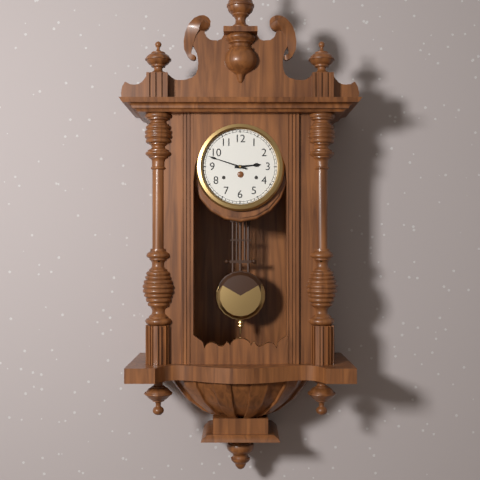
h=2 m=48
